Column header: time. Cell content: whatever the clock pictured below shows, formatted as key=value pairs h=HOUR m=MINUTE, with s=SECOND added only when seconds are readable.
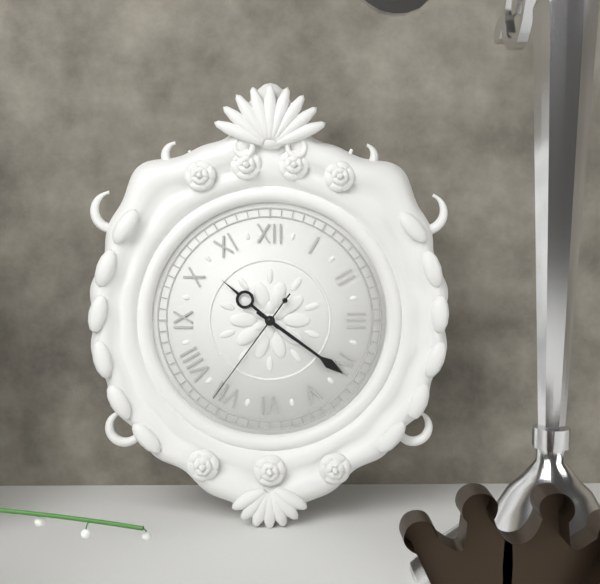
h=10 m=21 s=36
